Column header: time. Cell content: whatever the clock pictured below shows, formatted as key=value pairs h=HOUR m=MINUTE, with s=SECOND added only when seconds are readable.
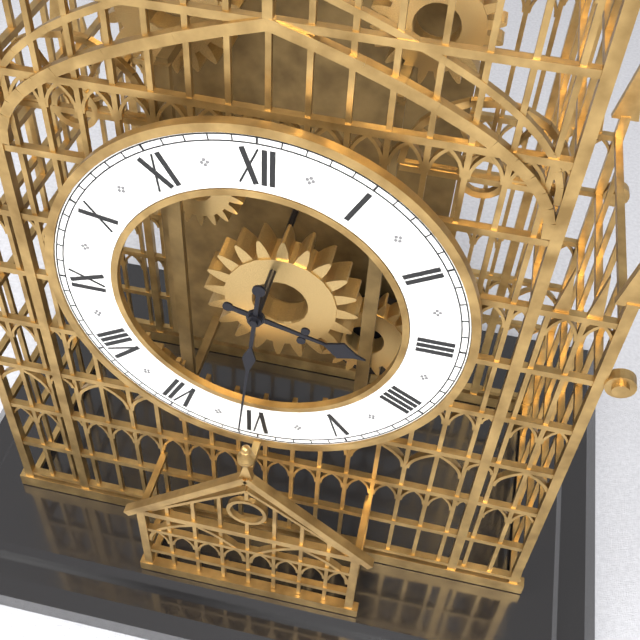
h=3 m=31
